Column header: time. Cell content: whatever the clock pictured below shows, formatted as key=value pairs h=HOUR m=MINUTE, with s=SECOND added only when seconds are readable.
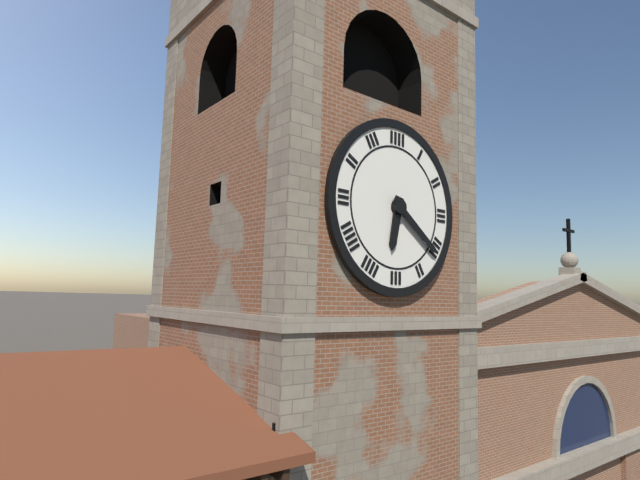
h=6 m=21
